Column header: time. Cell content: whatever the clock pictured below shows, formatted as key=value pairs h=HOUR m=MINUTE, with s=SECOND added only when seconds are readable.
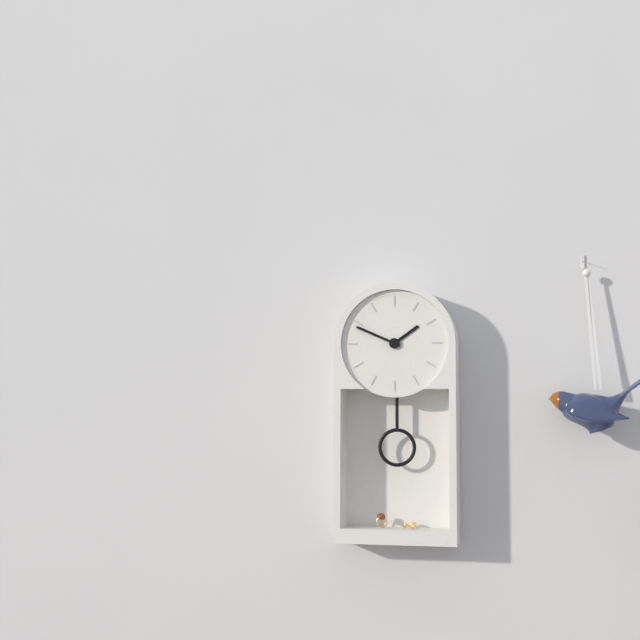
h=1 m=49
